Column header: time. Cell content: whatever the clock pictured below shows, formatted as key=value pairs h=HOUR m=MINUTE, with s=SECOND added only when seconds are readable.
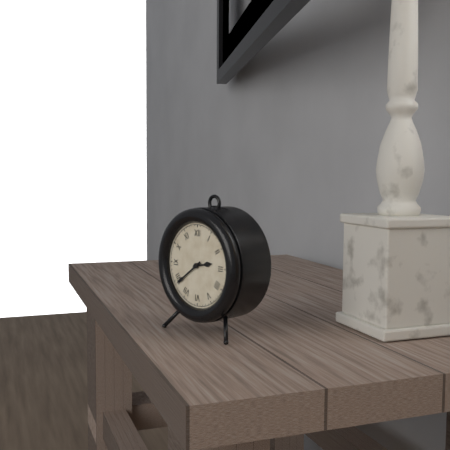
h=2 m=39
